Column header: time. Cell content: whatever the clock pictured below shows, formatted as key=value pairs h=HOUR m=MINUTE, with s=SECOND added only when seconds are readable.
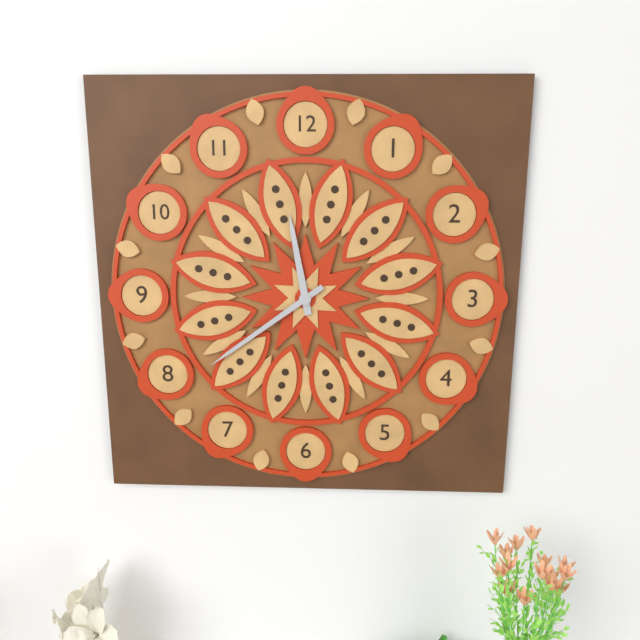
h=11 m=39
